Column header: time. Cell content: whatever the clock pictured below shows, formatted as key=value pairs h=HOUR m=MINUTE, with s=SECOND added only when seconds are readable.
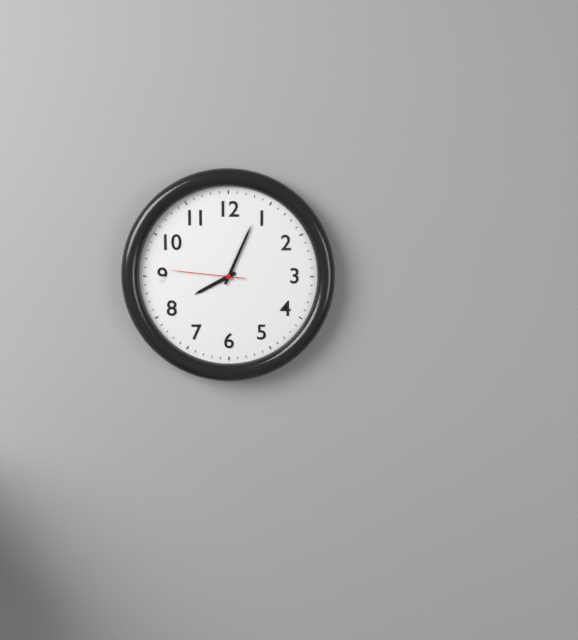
h=8 m=4 s=46
